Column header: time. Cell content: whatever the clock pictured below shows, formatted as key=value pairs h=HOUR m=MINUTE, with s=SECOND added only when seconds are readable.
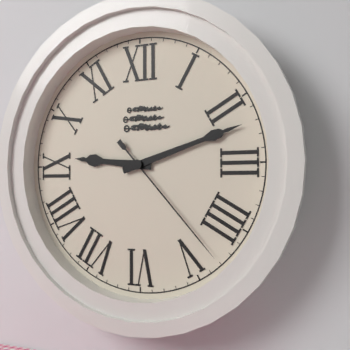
h=9 m=12 s=23
